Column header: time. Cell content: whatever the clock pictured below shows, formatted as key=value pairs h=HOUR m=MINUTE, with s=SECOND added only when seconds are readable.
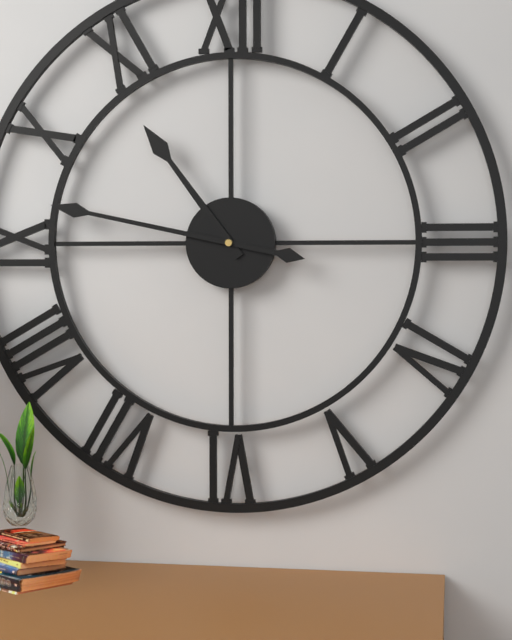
h=10 m=47
